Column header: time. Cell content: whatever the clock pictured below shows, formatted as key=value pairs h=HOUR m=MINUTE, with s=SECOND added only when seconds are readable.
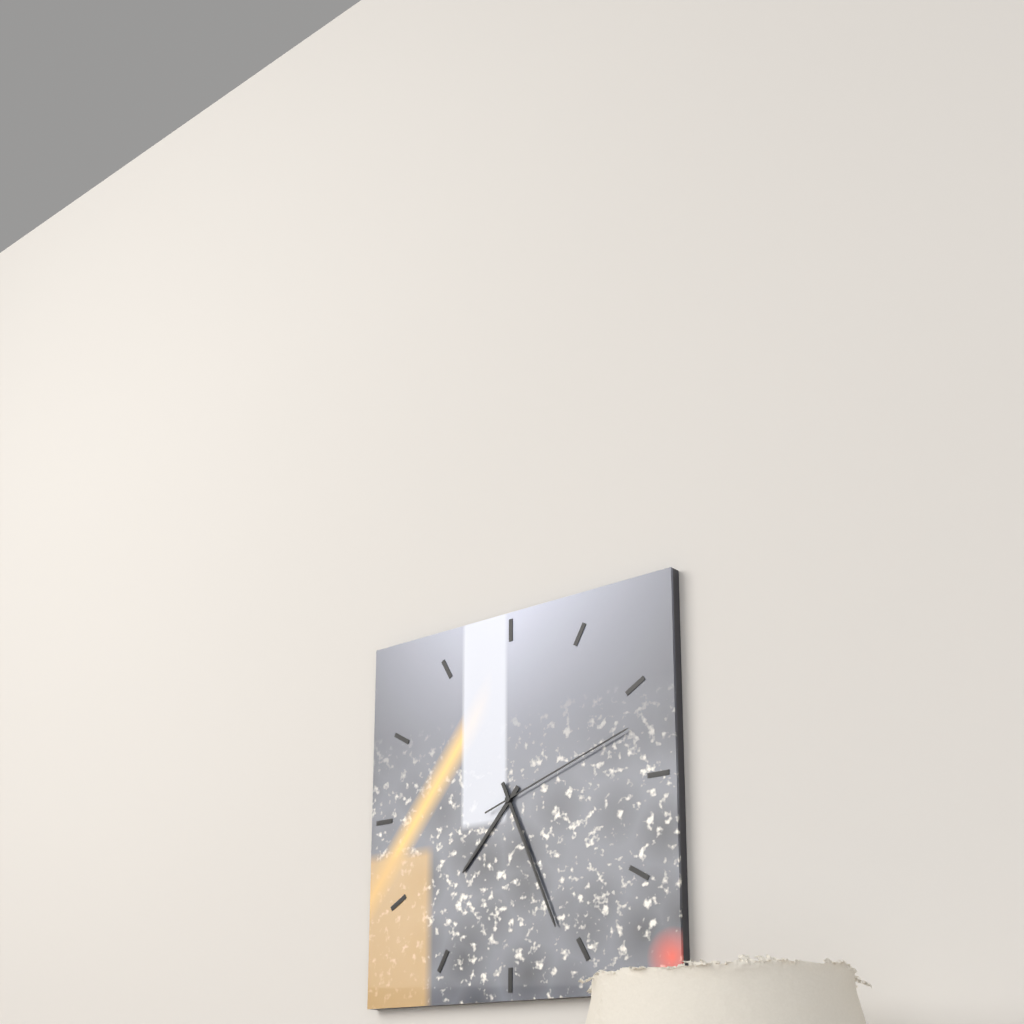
h=7 m=26 s=12
